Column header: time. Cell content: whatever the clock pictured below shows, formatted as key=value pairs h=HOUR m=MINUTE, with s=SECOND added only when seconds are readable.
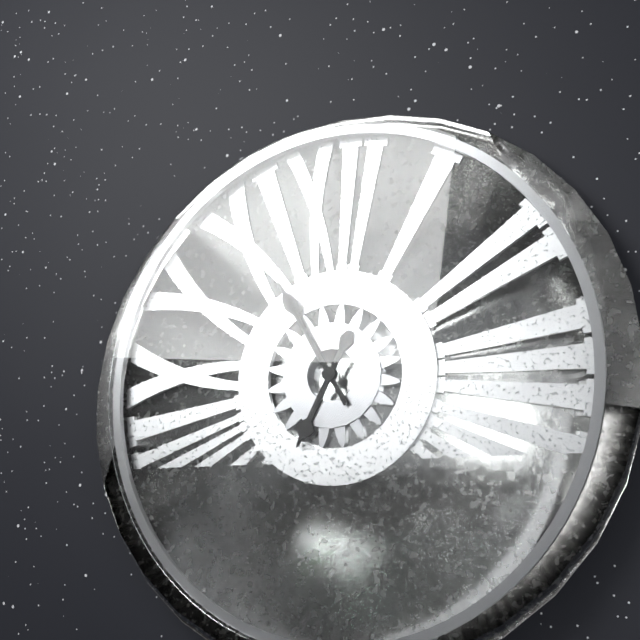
h=6 m=55
